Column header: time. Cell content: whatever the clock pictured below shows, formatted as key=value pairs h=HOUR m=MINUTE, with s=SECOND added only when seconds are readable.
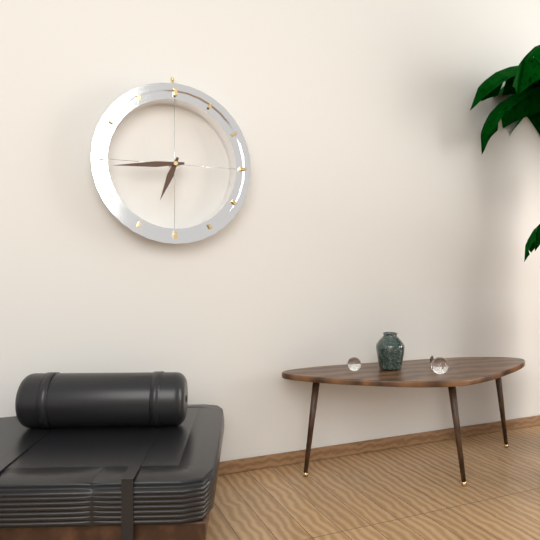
h=6 m=44
